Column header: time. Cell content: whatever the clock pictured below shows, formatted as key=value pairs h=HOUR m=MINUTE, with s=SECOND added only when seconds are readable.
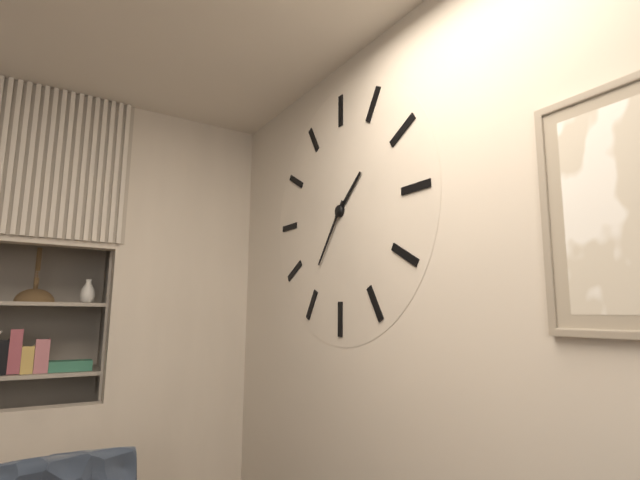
h=1 m=36
